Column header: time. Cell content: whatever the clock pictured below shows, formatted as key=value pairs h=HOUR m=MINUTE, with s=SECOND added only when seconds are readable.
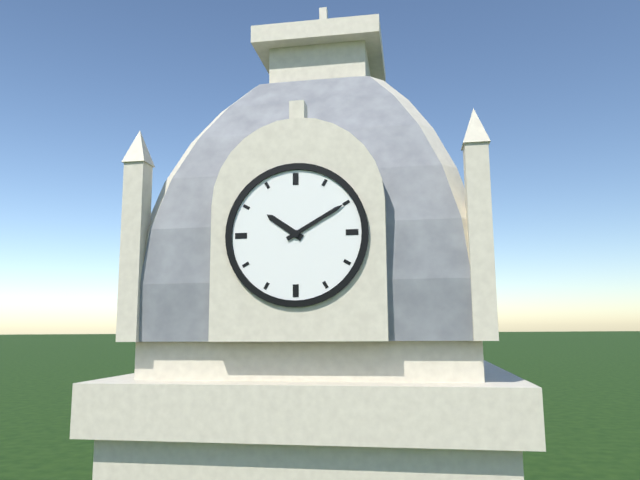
h=10 m=10
